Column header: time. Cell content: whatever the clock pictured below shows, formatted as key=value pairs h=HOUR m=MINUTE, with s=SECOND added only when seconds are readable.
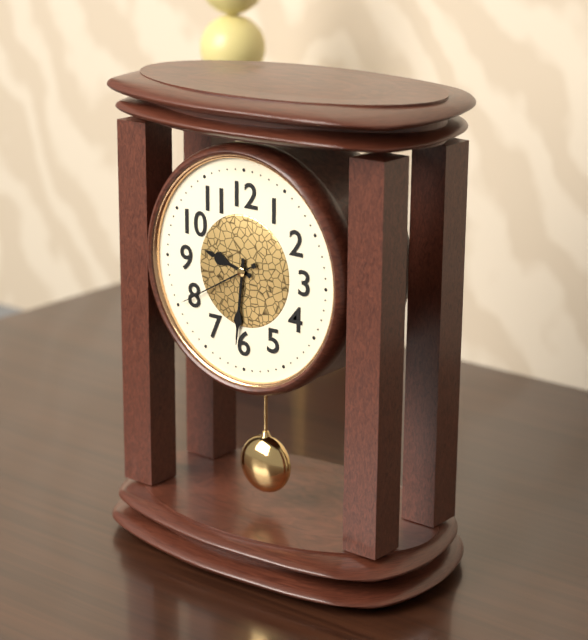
h=9 m=31 s=40
